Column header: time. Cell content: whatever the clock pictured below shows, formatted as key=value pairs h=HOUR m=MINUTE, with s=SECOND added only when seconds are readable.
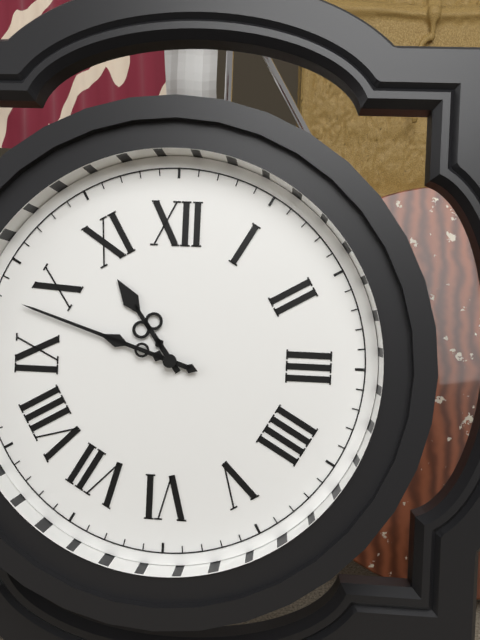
h=10 m=48
